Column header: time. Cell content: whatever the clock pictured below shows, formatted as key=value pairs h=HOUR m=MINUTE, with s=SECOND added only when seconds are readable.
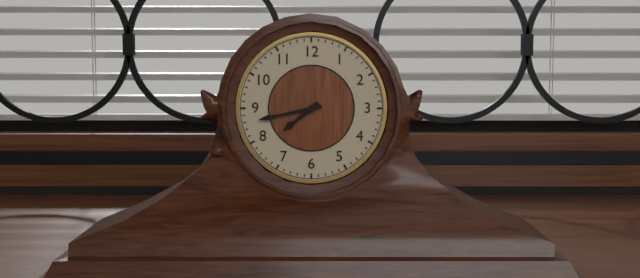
h=7 m=43
